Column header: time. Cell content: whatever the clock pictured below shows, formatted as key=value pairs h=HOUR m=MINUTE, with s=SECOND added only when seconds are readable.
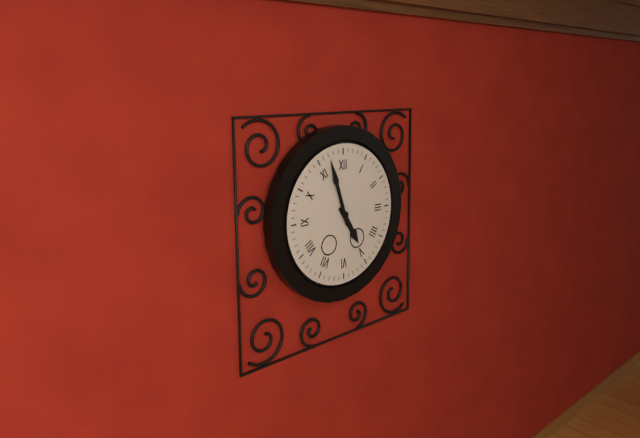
h=4 m=57
